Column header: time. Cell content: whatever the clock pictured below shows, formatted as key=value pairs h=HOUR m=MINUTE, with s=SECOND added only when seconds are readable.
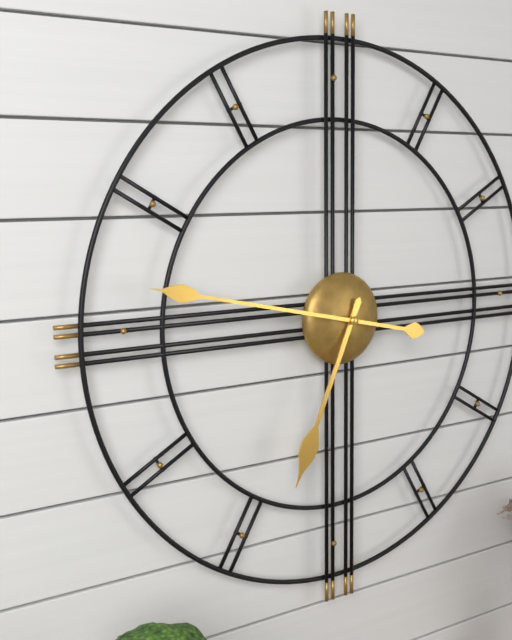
h=6 m=47
